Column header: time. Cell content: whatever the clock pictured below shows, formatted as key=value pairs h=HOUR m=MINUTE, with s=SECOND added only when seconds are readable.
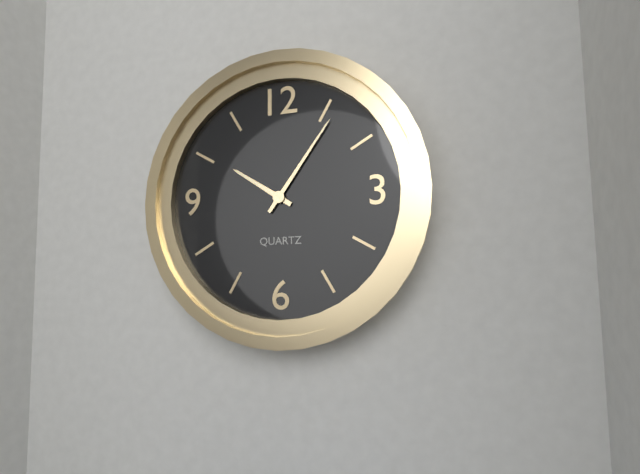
h=10 m=6
